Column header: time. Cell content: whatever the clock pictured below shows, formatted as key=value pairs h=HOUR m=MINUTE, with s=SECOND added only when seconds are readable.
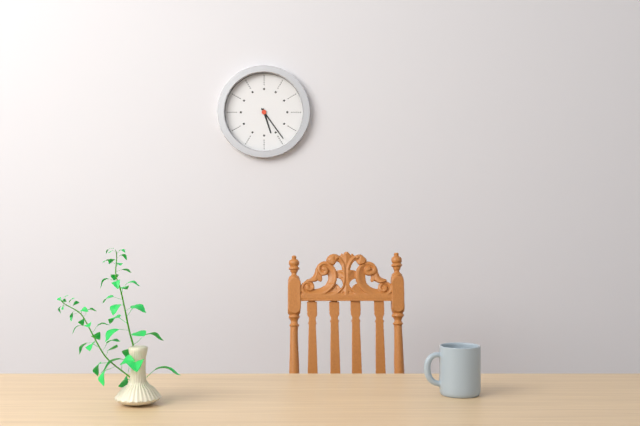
h=5 m=24
